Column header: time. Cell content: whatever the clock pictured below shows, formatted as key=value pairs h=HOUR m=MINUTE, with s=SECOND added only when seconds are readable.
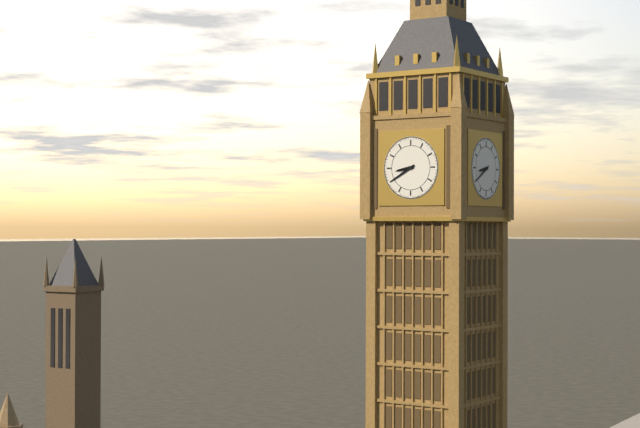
h=8 m=40
